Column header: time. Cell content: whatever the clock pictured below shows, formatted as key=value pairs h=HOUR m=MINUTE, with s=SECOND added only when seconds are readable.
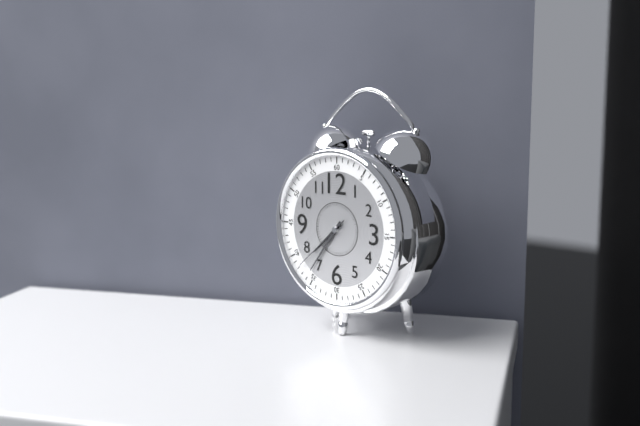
h=7 m=36 s=38
